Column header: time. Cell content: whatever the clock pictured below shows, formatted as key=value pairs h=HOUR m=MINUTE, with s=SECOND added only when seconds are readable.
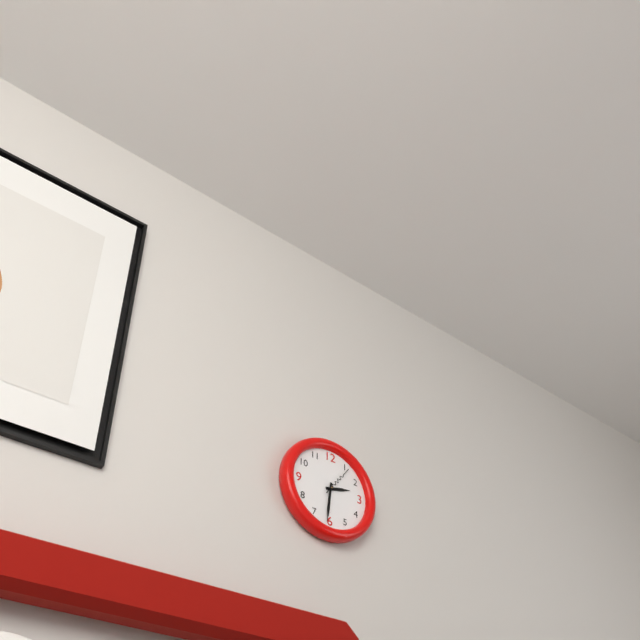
h=2 m=31
